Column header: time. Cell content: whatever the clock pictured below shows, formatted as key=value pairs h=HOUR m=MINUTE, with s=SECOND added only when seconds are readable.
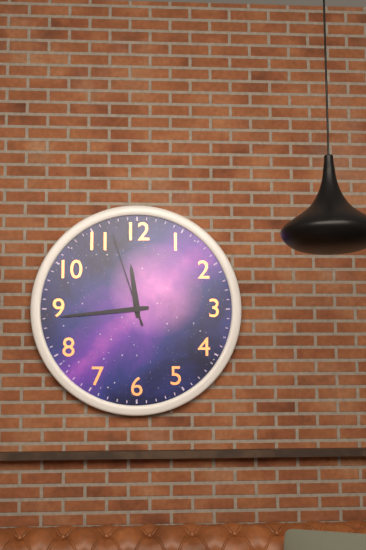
h=11 m=44 s=57
